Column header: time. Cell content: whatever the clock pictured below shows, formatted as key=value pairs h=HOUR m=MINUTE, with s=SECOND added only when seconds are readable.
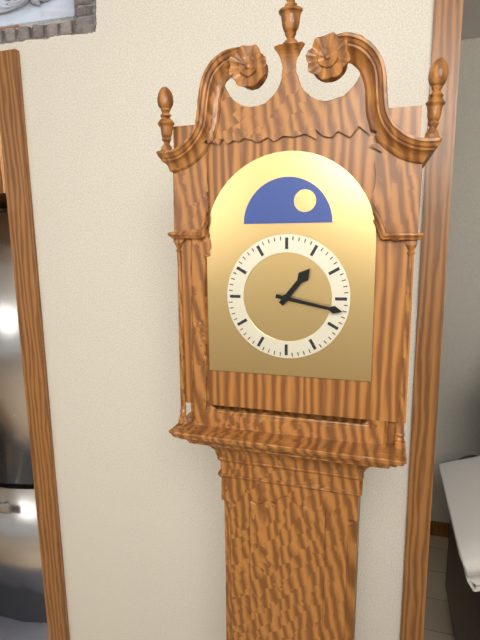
h=1 m=17
